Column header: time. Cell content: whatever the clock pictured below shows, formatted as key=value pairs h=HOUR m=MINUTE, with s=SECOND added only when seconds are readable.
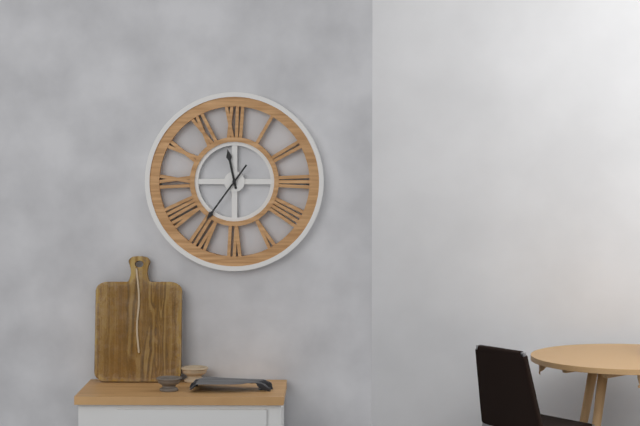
h=11 m=36
